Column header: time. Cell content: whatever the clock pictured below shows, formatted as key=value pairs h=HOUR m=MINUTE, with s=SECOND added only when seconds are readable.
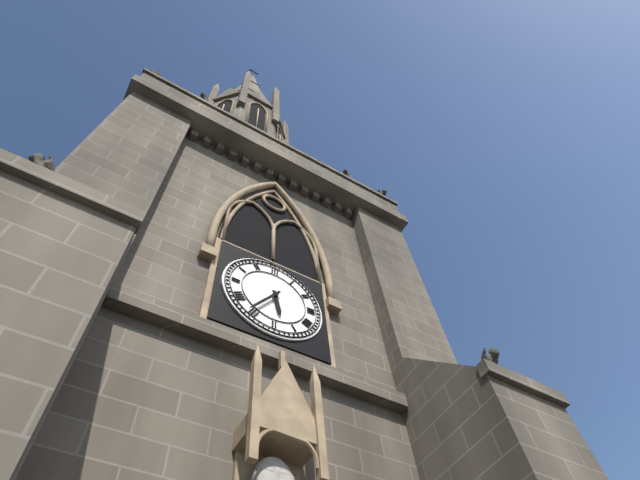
h=5 m=36
